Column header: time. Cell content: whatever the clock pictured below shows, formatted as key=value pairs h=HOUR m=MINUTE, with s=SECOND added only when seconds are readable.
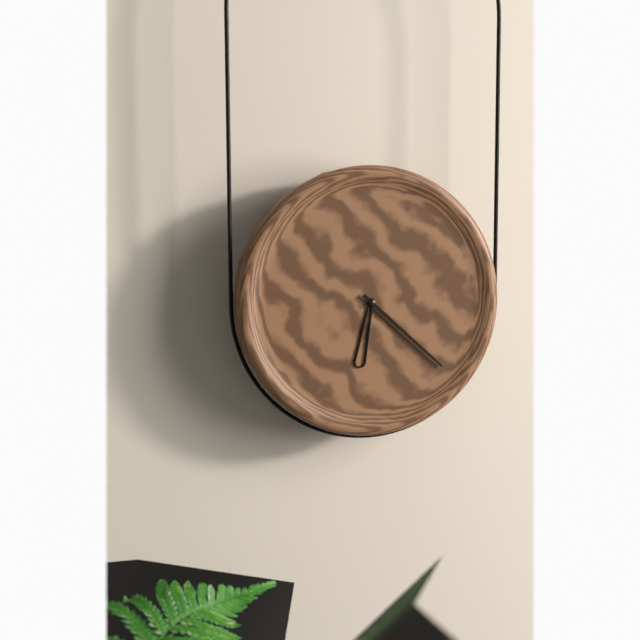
h=6 m=22
